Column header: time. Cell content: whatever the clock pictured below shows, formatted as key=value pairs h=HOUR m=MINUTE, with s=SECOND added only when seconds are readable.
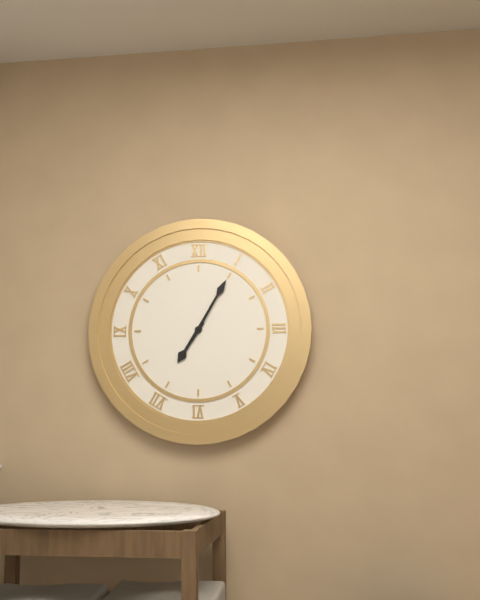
h=7 m=5
